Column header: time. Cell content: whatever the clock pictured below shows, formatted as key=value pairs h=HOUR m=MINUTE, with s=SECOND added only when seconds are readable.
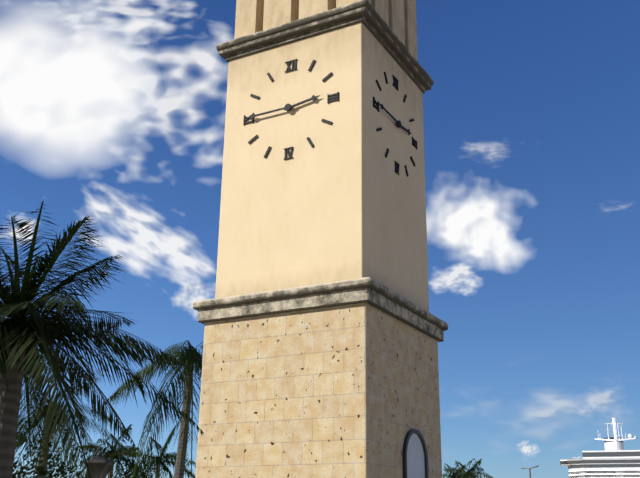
h=2 m=45
